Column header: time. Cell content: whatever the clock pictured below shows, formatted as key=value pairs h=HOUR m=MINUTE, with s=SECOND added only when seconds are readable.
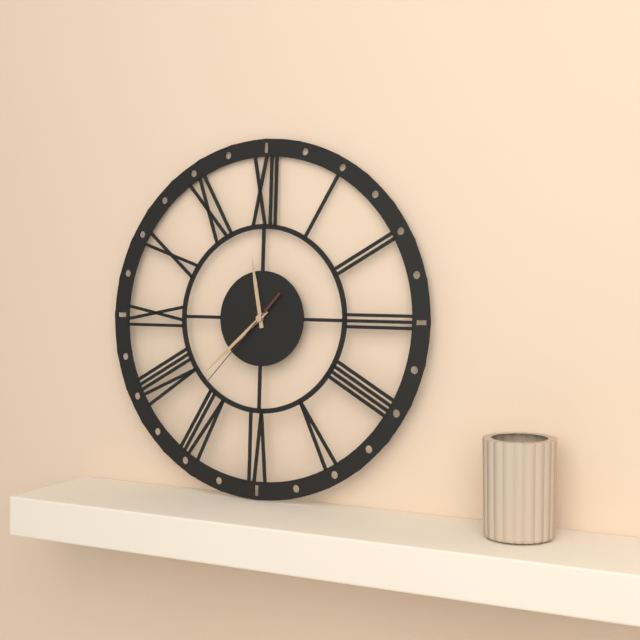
h=11 m=38 s=37
